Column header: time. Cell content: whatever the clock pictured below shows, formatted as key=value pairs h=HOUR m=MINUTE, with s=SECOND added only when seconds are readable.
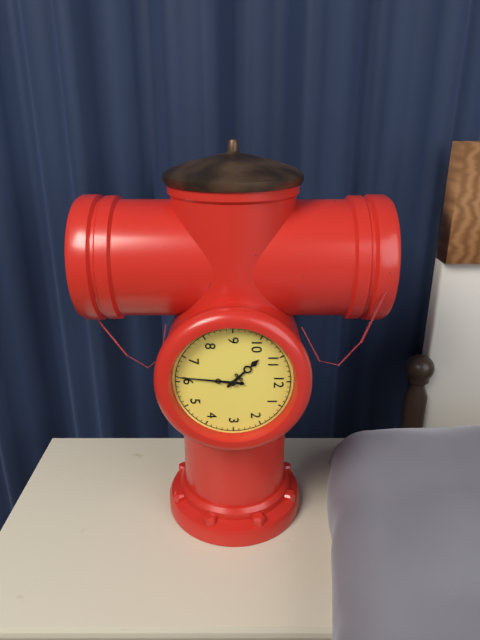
h=10 m=31
